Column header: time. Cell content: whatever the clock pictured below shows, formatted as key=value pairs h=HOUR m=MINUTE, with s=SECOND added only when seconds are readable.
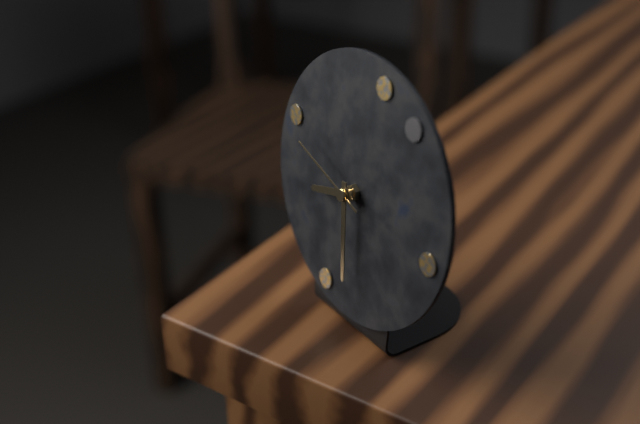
h=8 m=29 s=48
